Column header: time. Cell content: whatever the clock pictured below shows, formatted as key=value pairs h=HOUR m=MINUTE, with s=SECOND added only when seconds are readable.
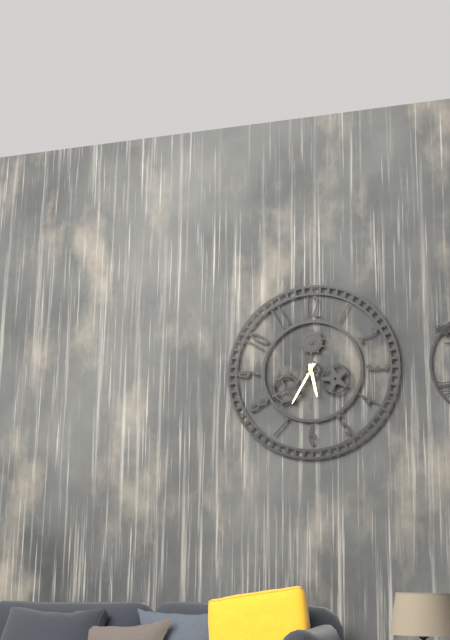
h=5 m=35
